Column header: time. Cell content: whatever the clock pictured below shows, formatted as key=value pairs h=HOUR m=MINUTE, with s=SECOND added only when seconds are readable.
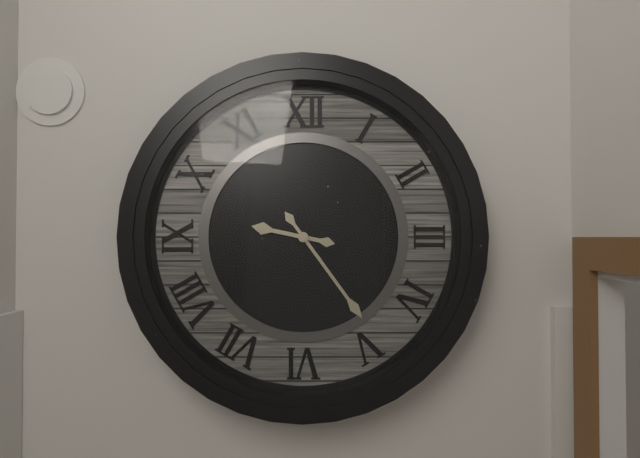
h=9 m=24
